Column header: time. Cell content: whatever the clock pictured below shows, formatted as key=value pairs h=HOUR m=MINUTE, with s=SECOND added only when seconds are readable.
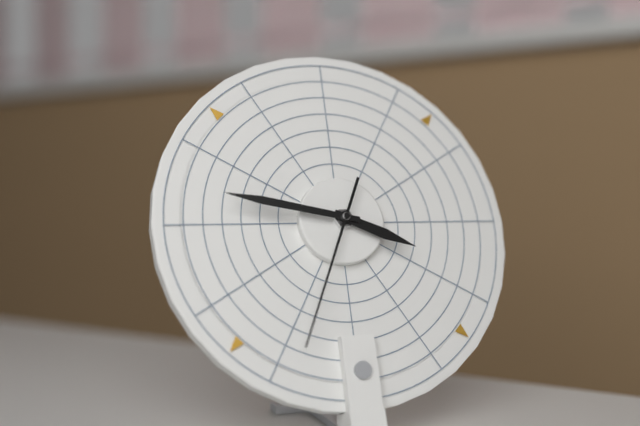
h=3 m=47 s=34
